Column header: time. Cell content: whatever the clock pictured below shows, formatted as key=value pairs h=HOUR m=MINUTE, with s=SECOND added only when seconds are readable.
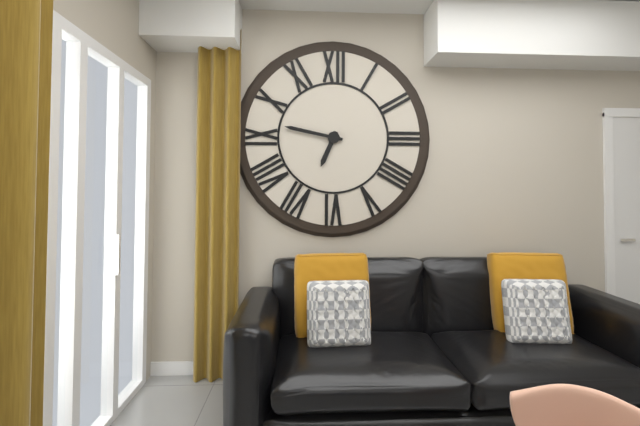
h=6 m=47
